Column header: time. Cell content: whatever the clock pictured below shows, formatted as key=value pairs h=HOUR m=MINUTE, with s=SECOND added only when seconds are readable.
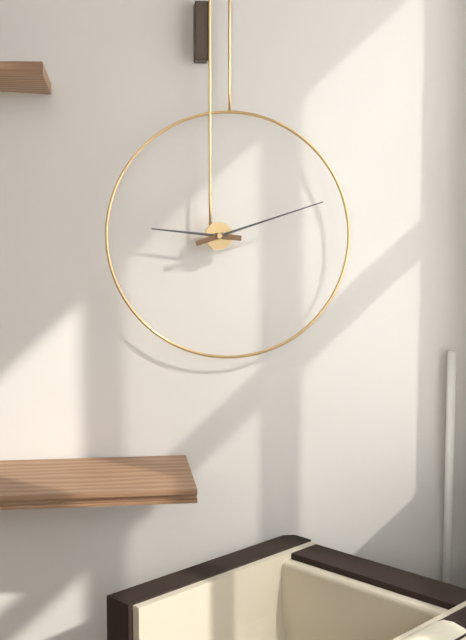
h=9 m=12
